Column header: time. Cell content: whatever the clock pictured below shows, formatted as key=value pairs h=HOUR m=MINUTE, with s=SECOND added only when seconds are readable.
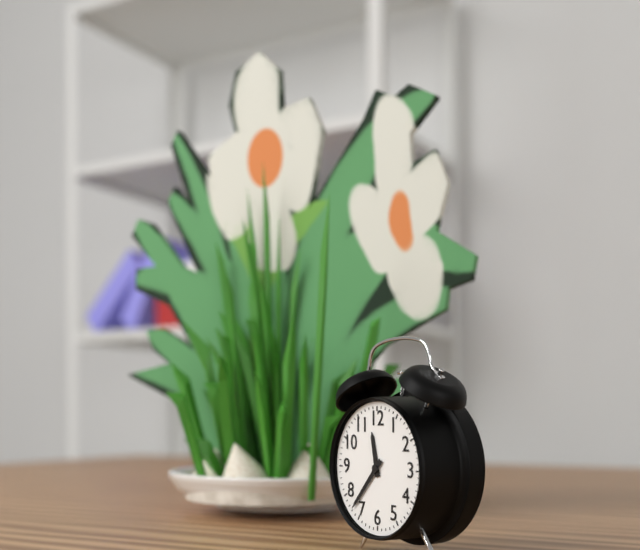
h=11 m=37
